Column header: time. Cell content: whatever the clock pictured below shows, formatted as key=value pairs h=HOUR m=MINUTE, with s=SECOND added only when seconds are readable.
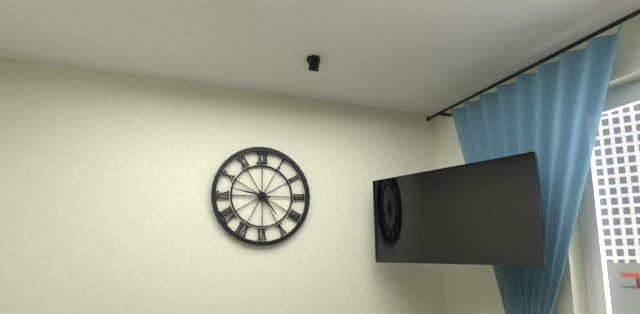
h=4 m=47
